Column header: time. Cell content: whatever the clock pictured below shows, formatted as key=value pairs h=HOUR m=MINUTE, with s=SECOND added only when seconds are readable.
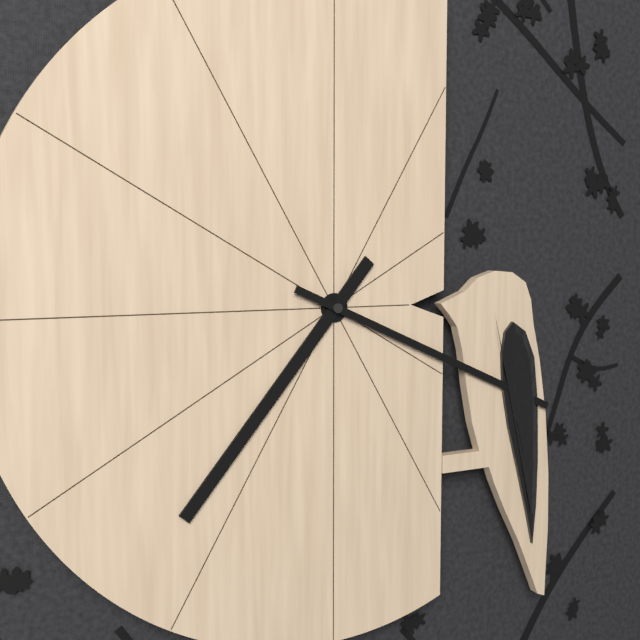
h=7 m=19
